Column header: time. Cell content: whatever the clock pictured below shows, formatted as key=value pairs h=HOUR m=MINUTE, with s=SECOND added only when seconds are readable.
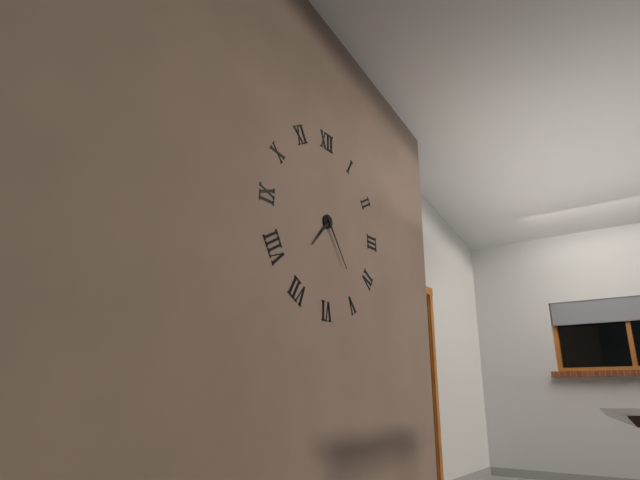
h=7 m=24
